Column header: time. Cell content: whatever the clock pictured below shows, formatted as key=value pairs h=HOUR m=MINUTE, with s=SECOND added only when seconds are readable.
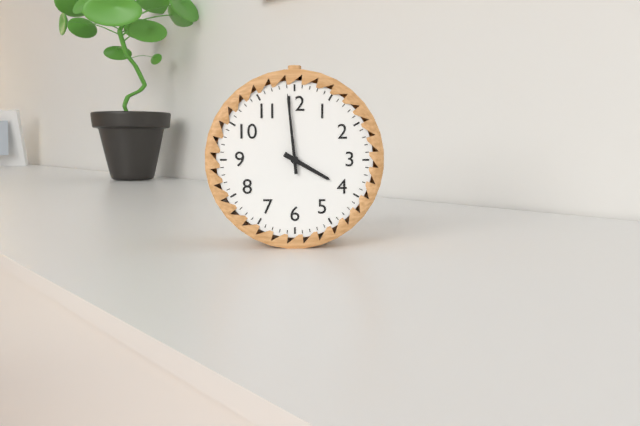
h=3 m=59
